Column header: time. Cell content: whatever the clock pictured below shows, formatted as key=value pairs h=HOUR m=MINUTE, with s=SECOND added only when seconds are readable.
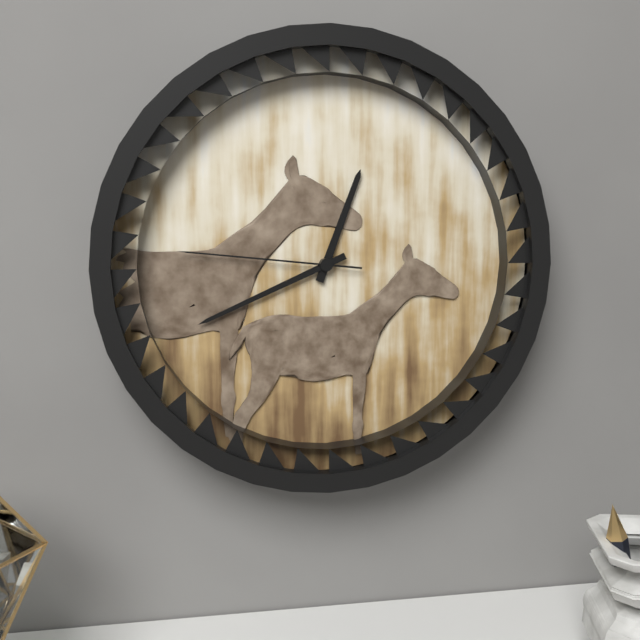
h=12 m=41 s=46
